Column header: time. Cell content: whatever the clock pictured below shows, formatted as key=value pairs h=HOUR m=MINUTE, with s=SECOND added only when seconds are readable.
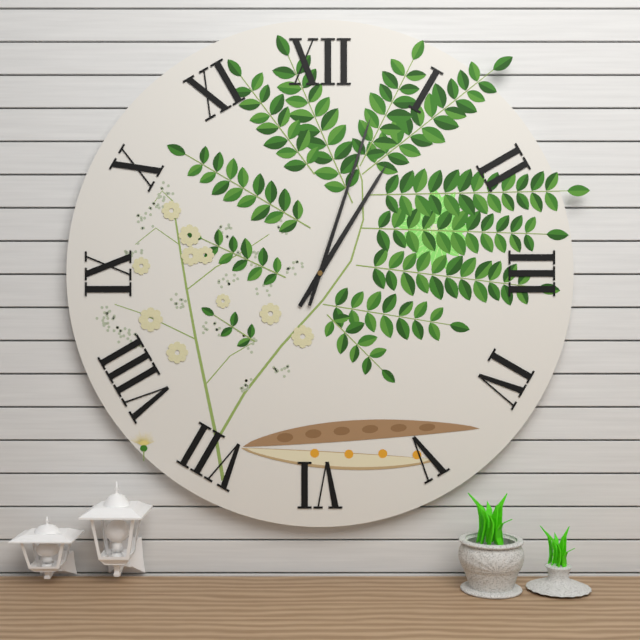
h=1 m=3
